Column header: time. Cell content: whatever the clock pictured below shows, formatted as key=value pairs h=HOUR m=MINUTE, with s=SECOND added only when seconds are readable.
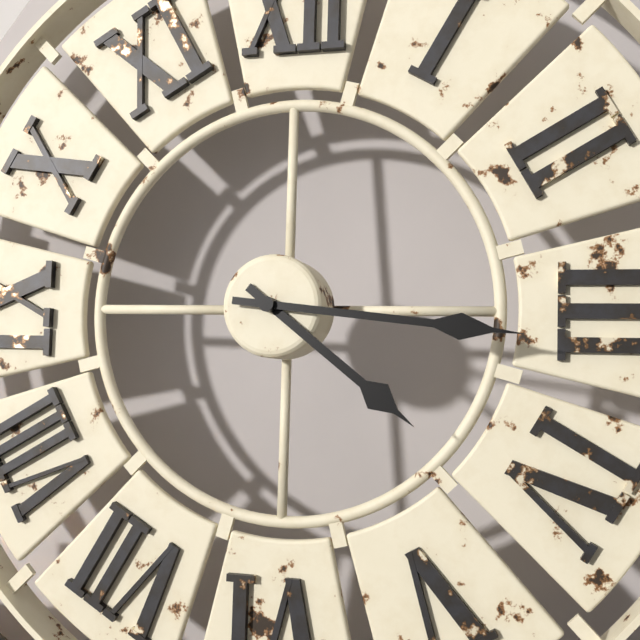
h=4 m=16
